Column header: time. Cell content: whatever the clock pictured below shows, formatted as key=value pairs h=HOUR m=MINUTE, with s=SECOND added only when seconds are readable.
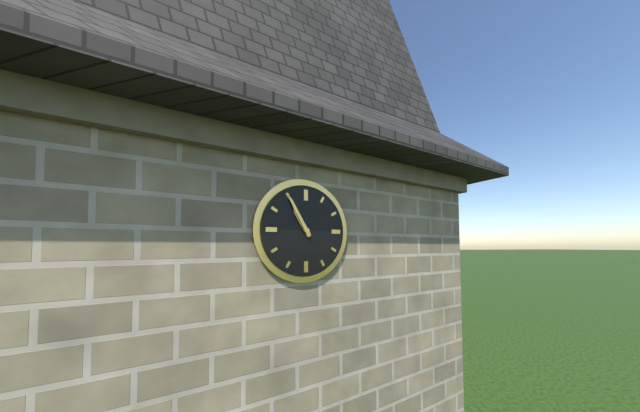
h=10 m=55
